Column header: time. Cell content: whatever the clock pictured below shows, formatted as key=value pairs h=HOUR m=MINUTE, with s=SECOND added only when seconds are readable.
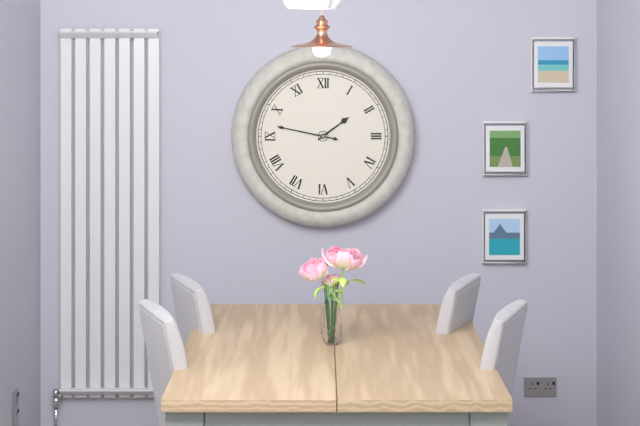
h=1 m=47
